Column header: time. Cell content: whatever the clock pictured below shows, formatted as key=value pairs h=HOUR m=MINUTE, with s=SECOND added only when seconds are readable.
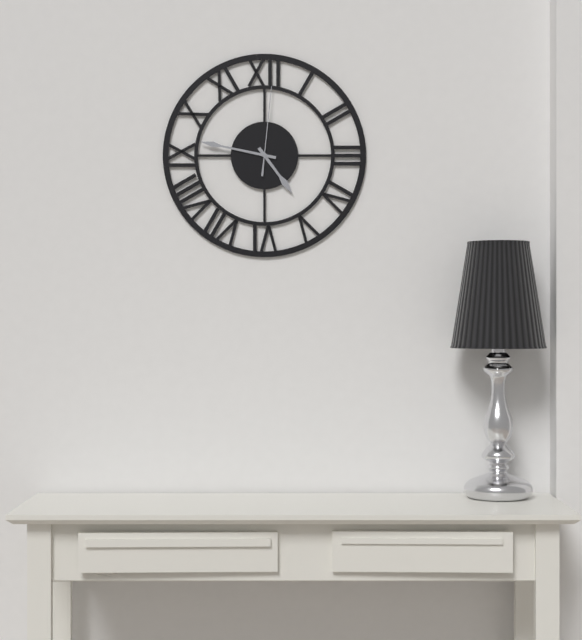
h=4 m=47 s=1
